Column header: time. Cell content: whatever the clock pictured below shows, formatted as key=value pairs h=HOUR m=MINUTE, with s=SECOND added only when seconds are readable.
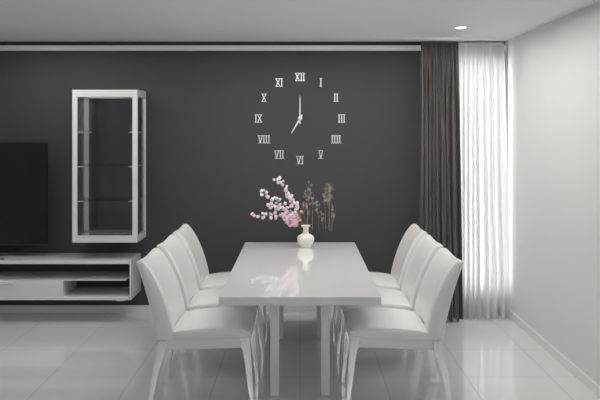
h=7 m=0
